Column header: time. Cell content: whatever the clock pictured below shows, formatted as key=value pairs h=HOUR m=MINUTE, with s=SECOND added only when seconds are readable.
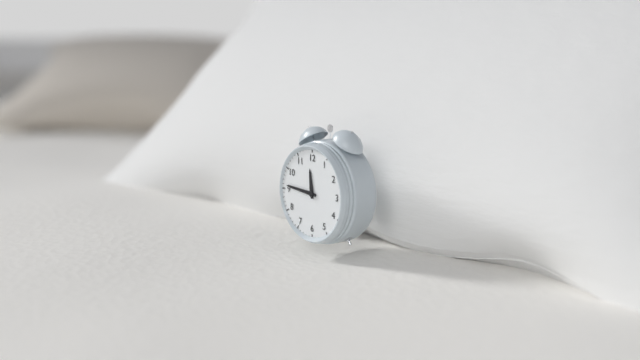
h=11 m=46
